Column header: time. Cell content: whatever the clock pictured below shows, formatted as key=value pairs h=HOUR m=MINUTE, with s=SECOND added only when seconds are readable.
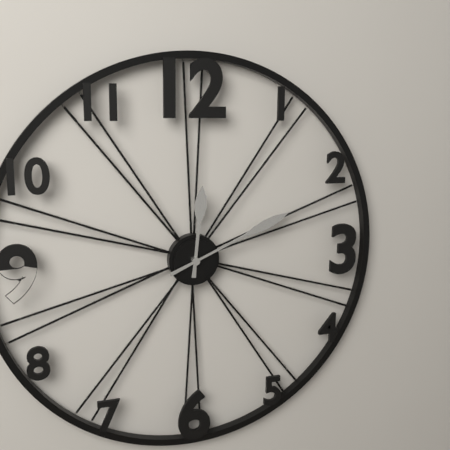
h=12 m=11
